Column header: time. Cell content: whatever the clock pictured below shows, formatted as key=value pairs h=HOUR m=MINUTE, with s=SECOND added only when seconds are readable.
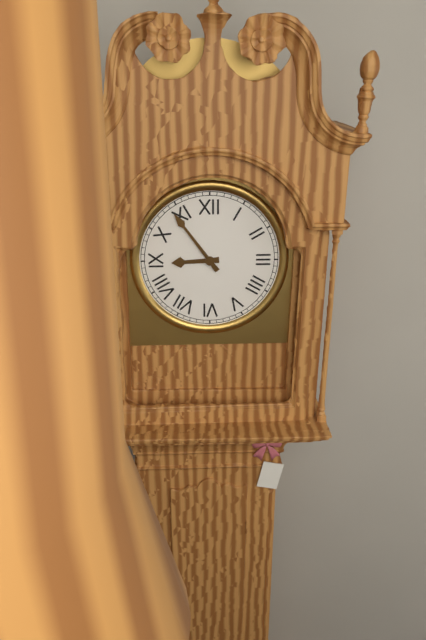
h=8 m=54
